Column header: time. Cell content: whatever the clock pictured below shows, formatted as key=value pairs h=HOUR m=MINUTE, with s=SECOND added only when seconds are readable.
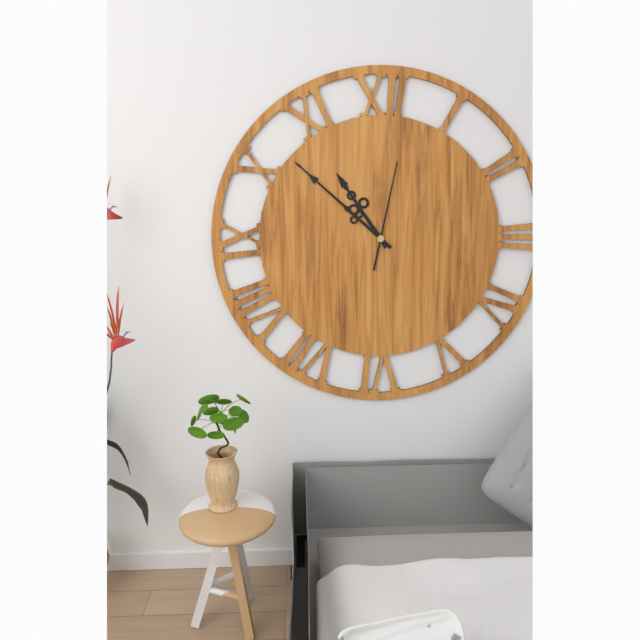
h=10 m=52 s=2
